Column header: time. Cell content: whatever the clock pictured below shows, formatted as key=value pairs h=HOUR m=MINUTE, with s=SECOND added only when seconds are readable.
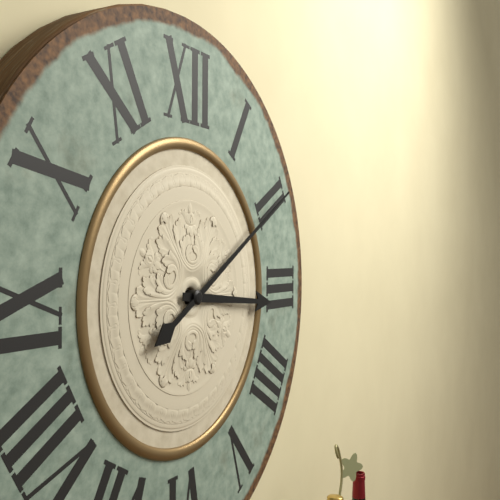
h=3 m=10
